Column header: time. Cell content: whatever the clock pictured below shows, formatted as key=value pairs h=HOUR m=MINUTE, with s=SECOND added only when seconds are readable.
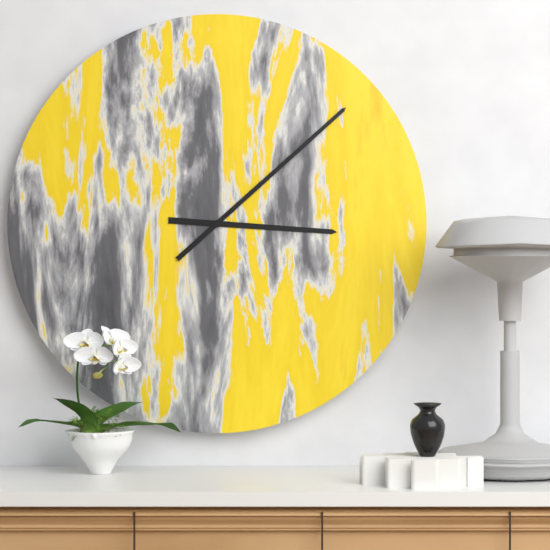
h=3 m=8
